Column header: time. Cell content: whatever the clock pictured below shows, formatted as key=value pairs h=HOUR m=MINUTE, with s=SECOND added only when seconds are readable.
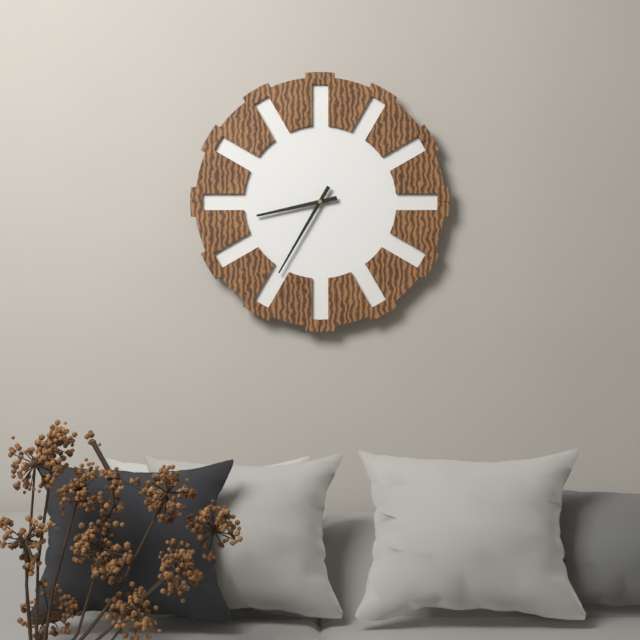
h=8 m=35
